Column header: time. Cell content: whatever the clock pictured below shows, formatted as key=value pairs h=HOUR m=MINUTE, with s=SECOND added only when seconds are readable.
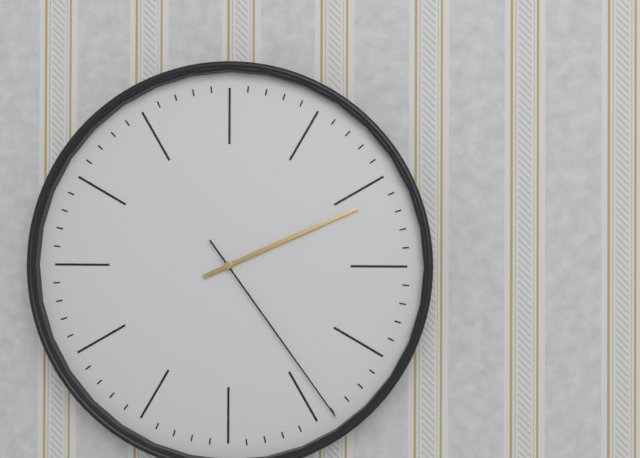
h=2 m=11 s=24
